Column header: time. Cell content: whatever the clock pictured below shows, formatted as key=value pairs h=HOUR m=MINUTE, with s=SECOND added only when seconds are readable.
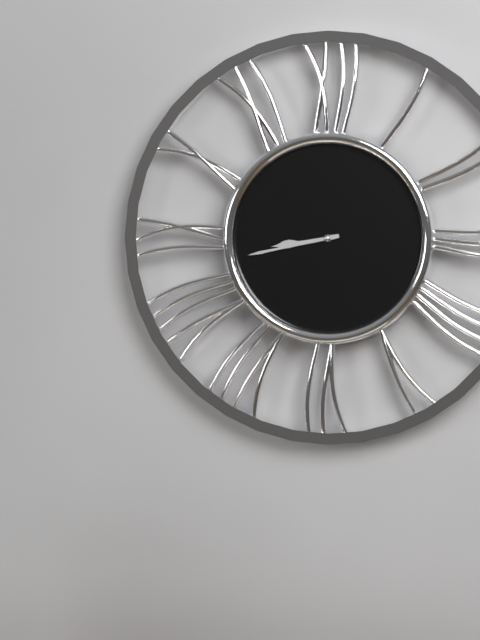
h=8 m=43
